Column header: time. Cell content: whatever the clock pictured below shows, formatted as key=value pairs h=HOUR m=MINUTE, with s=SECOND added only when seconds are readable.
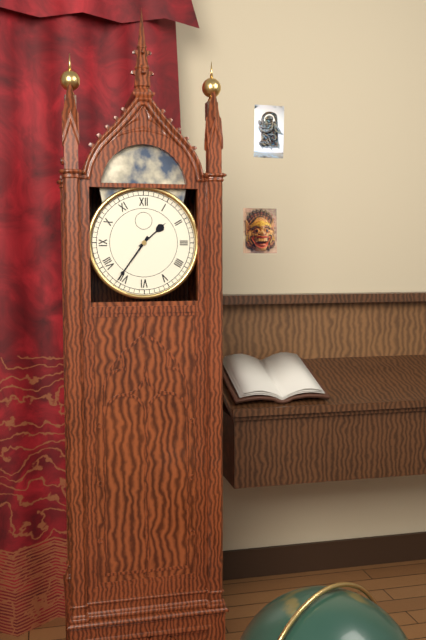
h=1 m=36
